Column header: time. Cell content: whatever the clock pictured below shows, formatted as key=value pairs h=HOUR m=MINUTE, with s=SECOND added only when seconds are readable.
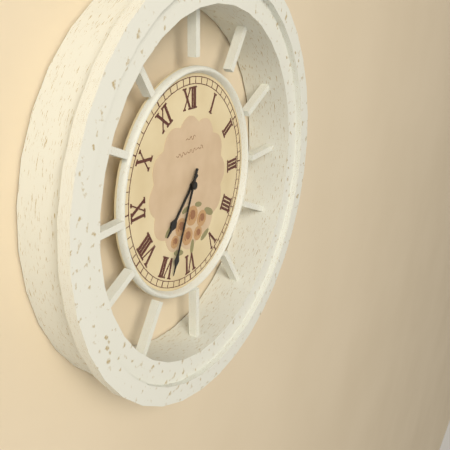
h=7 m=34
